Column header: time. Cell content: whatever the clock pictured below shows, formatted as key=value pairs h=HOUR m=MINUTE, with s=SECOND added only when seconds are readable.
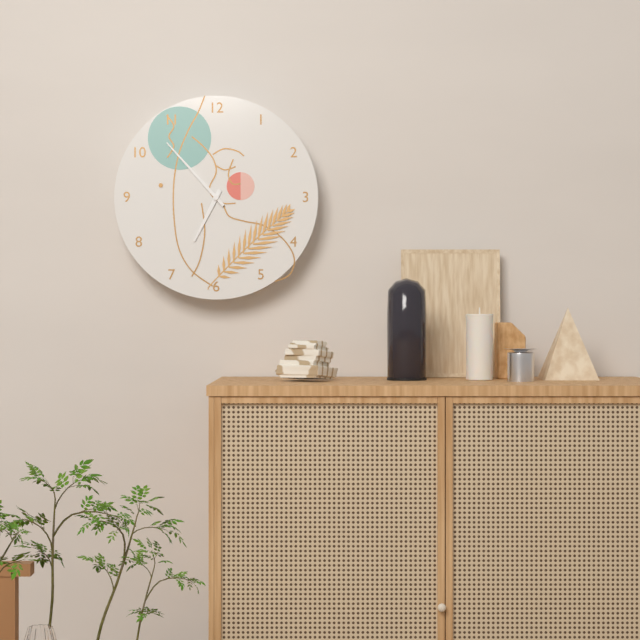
h=6 m=53
